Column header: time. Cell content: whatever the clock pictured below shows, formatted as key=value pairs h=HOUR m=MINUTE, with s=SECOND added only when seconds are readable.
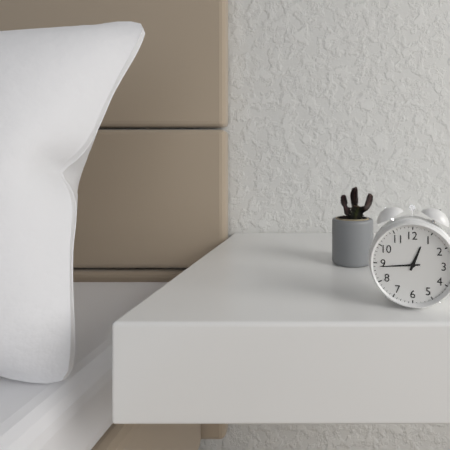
h=12 m=44
